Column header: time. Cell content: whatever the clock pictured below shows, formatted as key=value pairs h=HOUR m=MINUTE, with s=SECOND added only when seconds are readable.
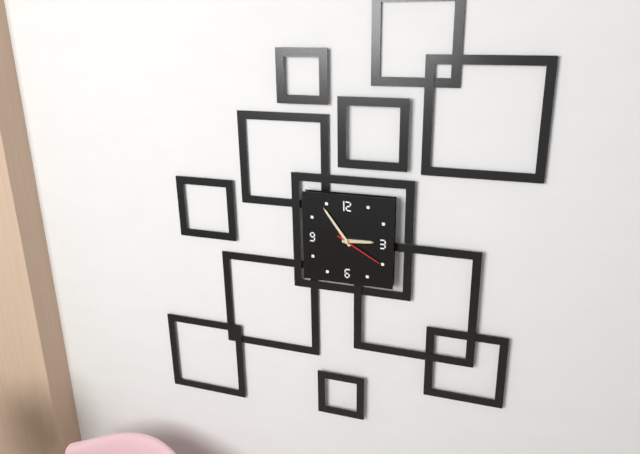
h=2 m=54 s=20
